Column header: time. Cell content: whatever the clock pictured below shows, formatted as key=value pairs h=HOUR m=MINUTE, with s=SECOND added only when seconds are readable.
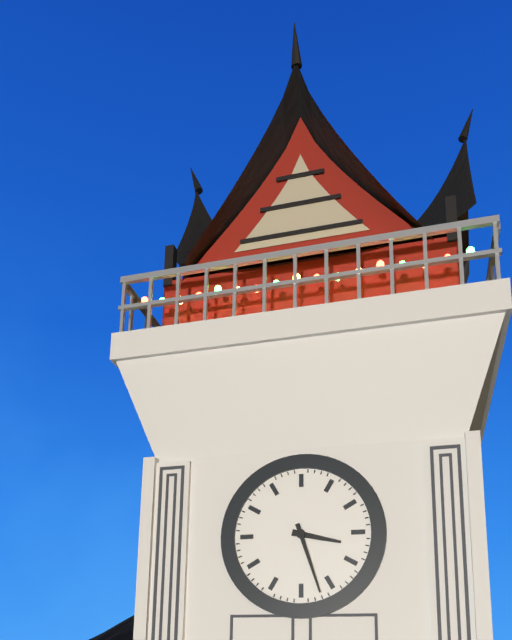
h=3 m=27
